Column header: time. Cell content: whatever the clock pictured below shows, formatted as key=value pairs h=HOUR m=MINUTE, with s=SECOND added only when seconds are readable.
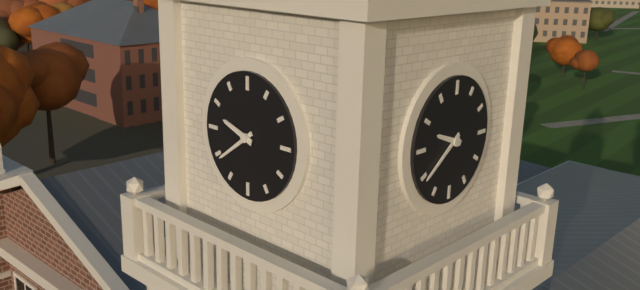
h=9 m=39
